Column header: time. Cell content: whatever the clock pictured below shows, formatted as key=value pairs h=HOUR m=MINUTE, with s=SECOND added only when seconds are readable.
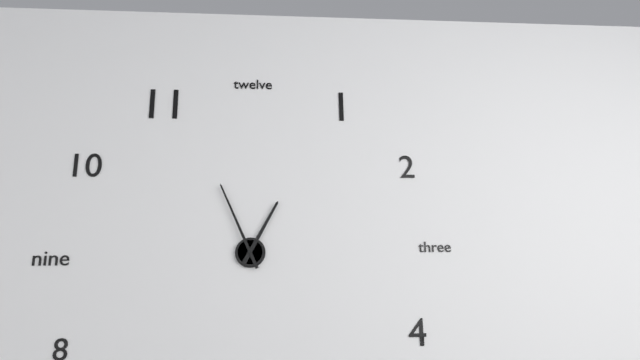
h=12 m=56
